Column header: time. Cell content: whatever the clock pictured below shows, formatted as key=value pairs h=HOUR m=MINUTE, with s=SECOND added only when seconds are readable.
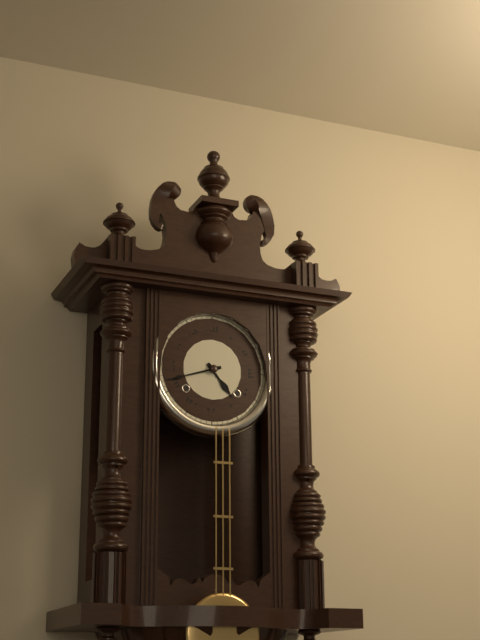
h=4 m=42
